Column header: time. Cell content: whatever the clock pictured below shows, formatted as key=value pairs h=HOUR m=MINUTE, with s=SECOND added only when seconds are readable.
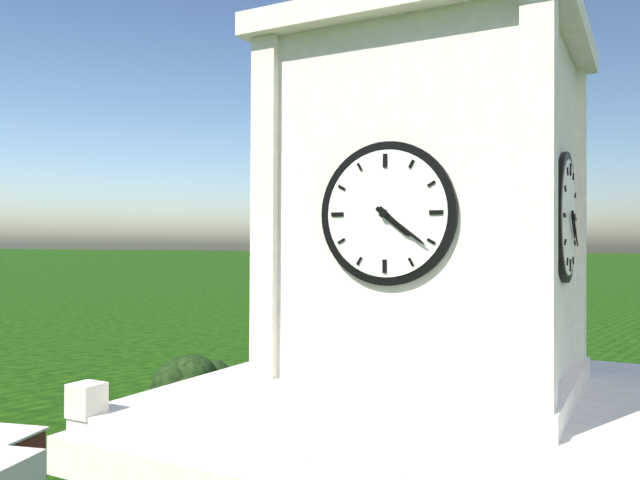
h=4 m=21
